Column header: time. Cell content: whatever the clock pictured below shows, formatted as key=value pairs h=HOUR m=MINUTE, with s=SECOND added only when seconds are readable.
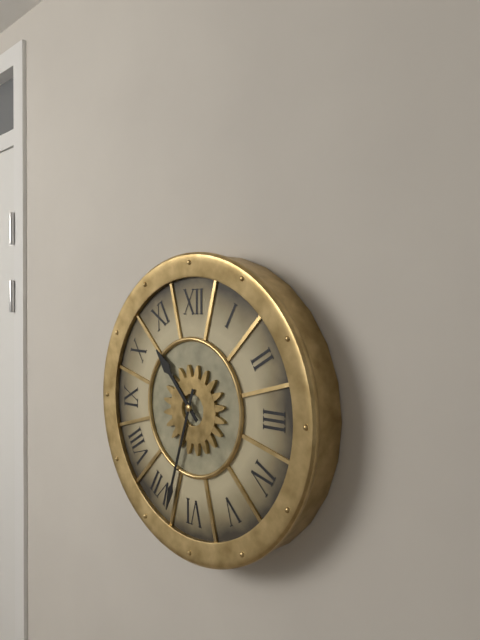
h=10 m=33
